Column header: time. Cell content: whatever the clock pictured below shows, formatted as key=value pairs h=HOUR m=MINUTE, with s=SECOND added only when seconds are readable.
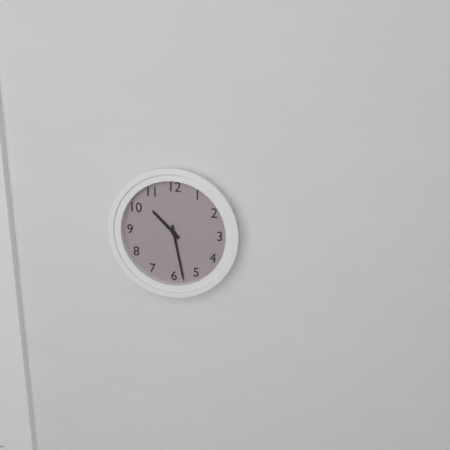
h=10 m=28
